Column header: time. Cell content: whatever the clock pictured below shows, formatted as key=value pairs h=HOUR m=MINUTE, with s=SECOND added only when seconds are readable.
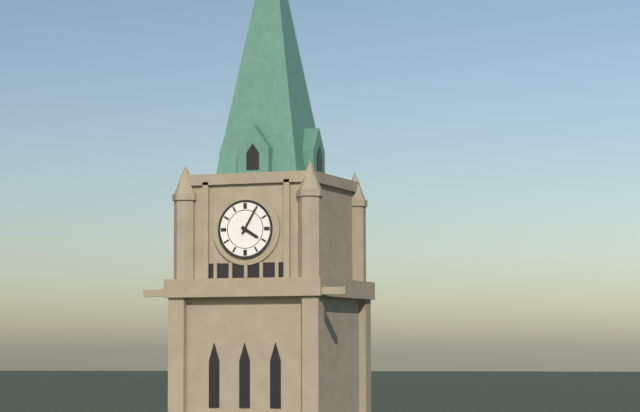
h=4 m=5
